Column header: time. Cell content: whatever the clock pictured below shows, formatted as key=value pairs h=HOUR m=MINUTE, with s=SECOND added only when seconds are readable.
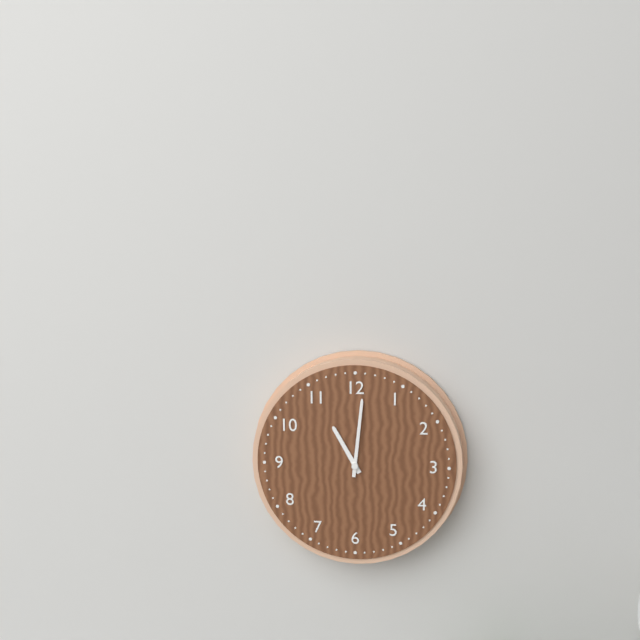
h=11 m=1
